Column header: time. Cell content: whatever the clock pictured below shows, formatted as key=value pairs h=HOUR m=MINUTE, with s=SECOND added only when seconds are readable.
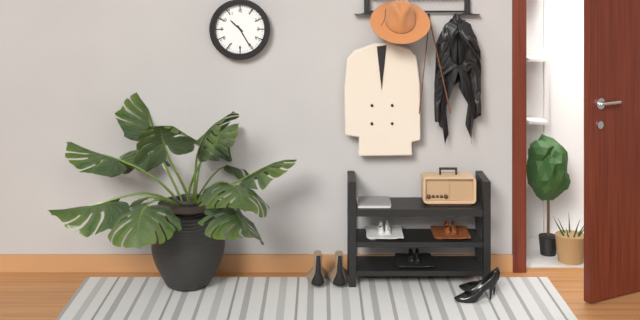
h=10 m=25
